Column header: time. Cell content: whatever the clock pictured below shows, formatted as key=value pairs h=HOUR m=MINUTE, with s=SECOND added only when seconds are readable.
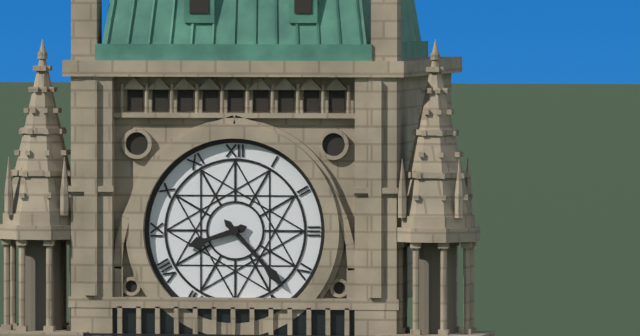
h=8 m=23
